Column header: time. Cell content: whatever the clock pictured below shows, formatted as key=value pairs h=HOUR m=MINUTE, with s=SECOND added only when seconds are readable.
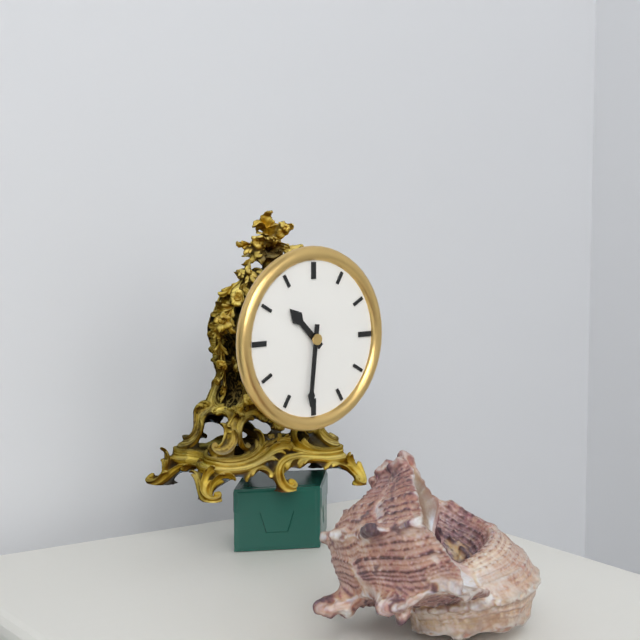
h=10 m=31
